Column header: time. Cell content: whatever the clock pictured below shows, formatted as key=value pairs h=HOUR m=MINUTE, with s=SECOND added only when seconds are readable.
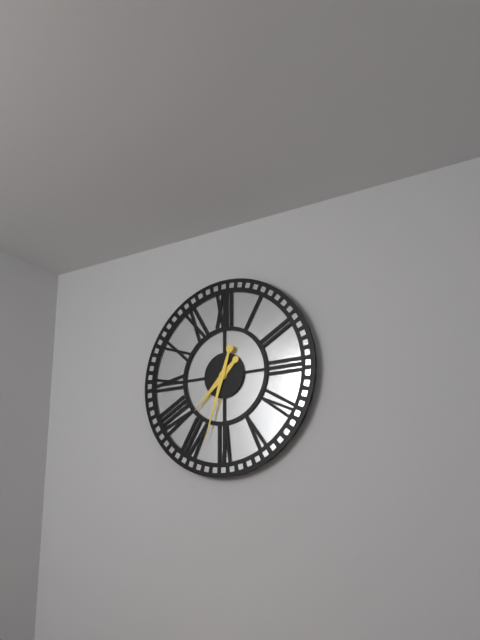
h=7 m=33
